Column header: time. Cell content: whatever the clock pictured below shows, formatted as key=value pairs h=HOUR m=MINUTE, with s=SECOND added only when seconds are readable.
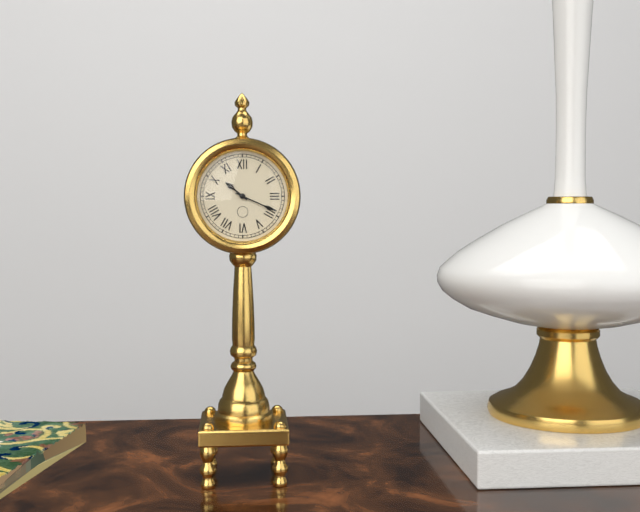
h=10 m=19
